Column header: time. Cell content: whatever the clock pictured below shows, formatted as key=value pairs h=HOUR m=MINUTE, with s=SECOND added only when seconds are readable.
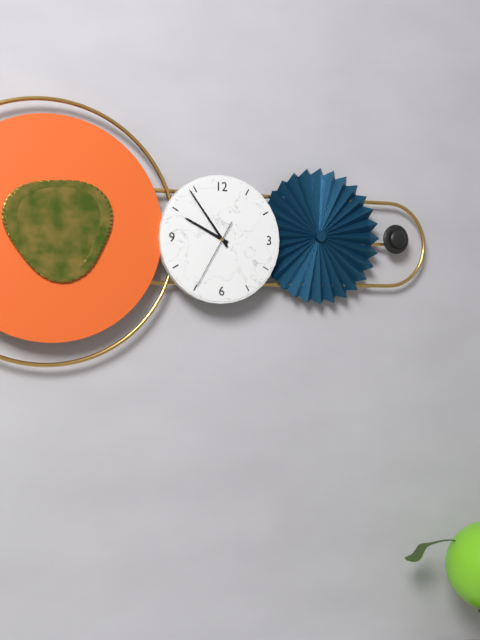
h=9 m=54 s=35
